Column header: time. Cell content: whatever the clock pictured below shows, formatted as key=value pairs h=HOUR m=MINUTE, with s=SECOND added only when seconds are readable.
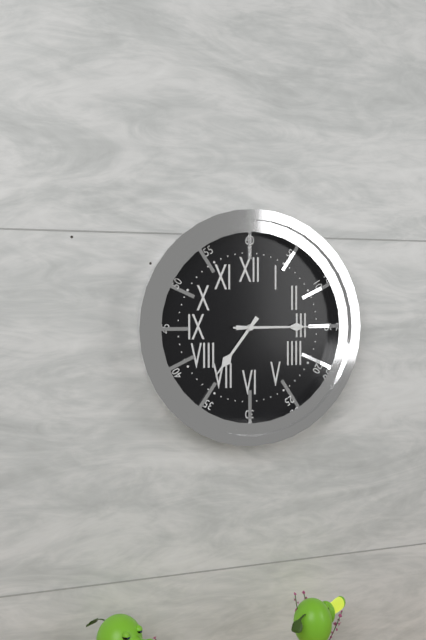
h=7 m=15 s=15
